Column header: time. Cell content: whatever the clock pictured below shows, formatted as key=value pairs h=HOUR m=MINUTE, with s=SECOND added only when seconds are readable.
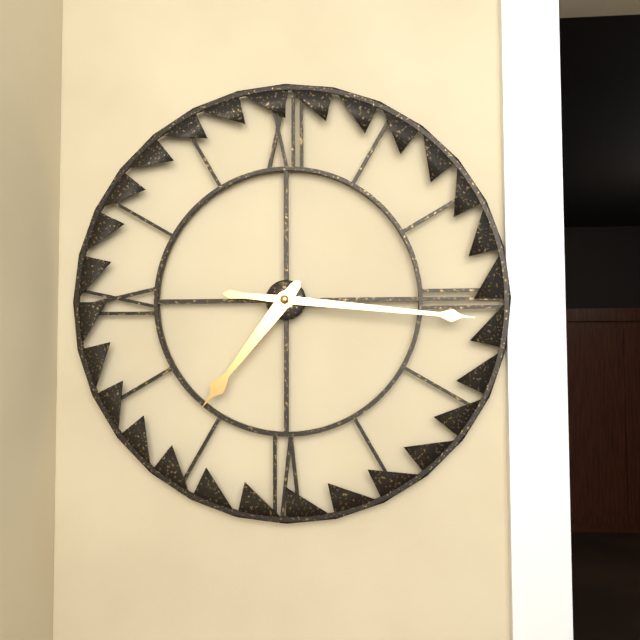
h=7 m=16
